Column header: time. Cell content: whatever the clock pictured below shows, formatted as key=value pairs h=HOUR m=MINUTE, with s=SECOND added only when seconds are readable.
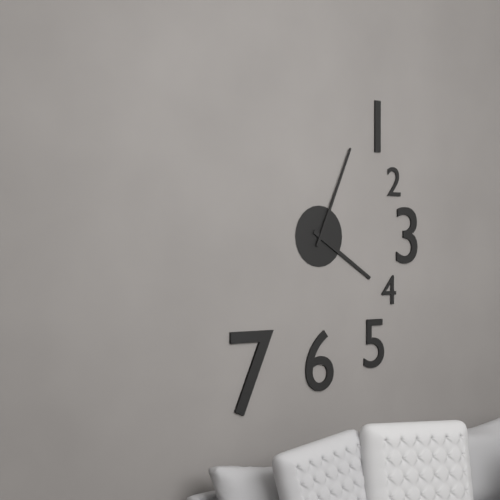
h=4 m=4
